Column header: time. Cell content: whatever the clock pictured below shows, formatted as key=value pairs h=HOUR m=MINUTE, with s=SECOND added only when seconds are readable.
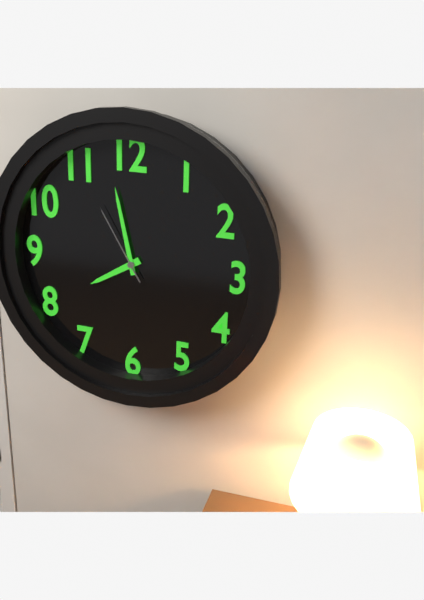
h=7 m=58 s=55
